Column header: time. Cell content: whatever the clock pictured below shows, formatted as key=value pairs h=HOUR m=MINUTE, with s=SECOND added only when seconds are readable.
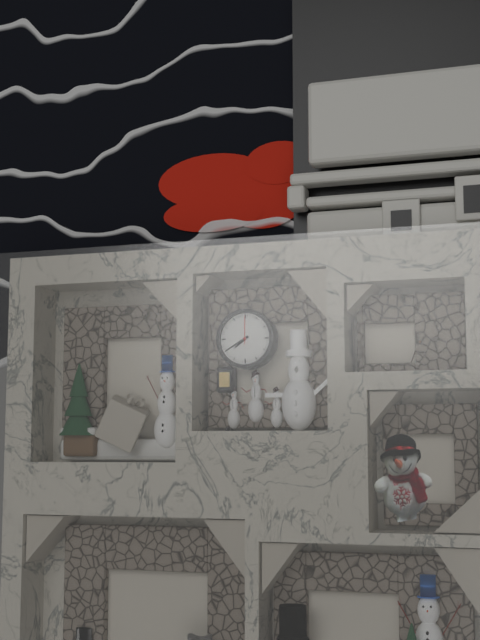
h=7 m=40
